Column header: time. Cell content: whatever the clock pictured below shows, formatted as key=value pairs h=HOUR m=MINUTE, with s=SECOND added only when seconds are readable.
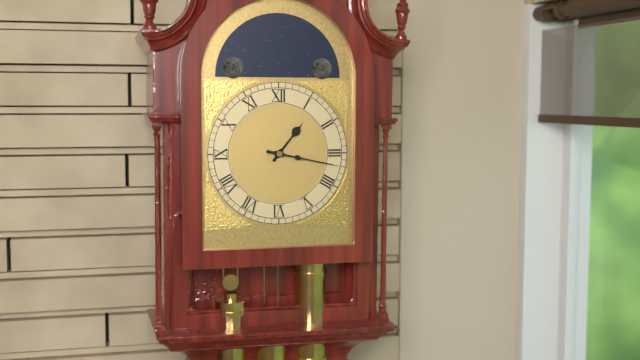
h=1 m=17
